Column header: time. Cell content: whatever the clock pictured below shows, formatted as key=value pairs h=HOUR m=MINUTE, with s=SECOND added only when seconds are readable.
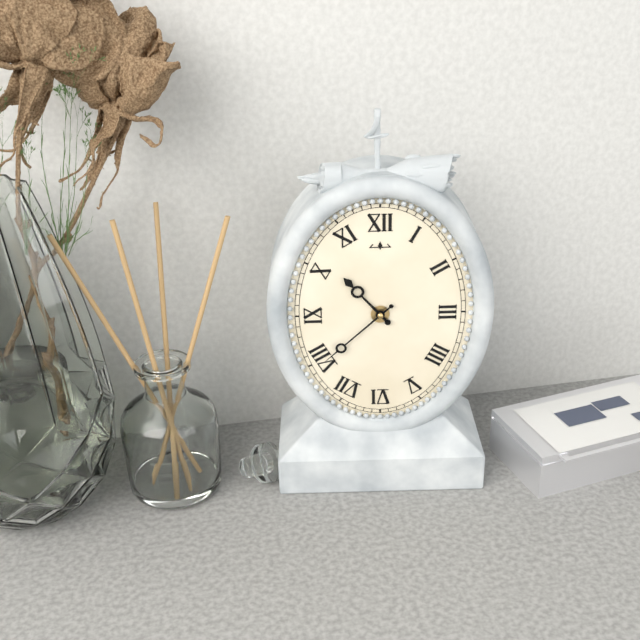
h=10 m=38
